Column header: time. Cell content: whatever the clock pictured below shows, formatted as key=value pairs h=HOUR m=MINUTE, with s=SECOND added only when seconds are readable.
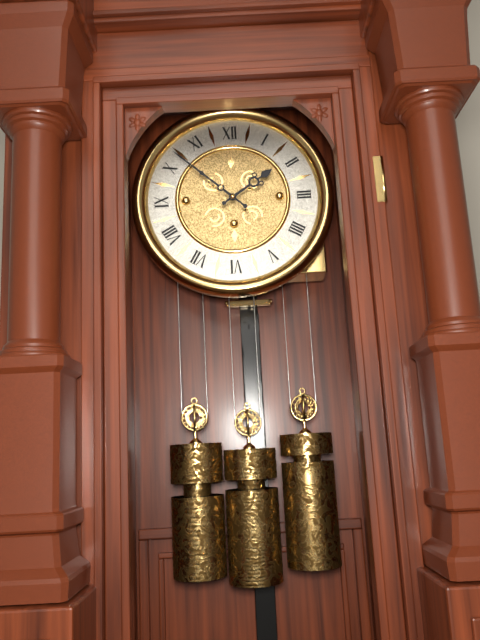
h=1 m=52
